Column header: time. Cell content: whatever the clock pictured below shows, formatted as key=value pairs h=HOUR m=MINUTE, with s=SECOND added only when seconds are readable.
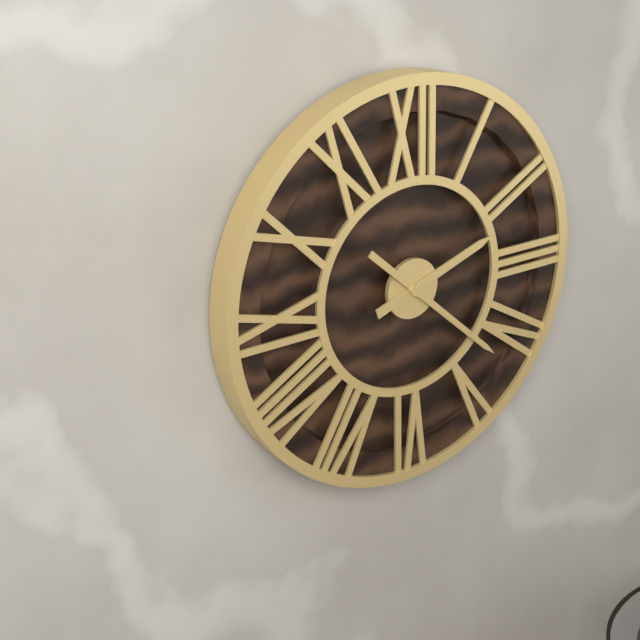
h=2 m=22
